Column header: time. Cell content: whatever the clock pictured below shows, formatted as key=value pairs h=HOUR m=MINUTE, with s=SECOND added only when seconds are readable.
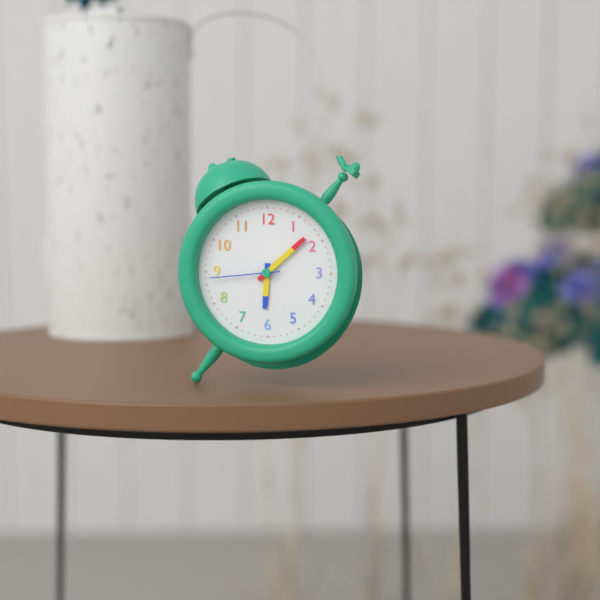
h=6 m=8 s=44
